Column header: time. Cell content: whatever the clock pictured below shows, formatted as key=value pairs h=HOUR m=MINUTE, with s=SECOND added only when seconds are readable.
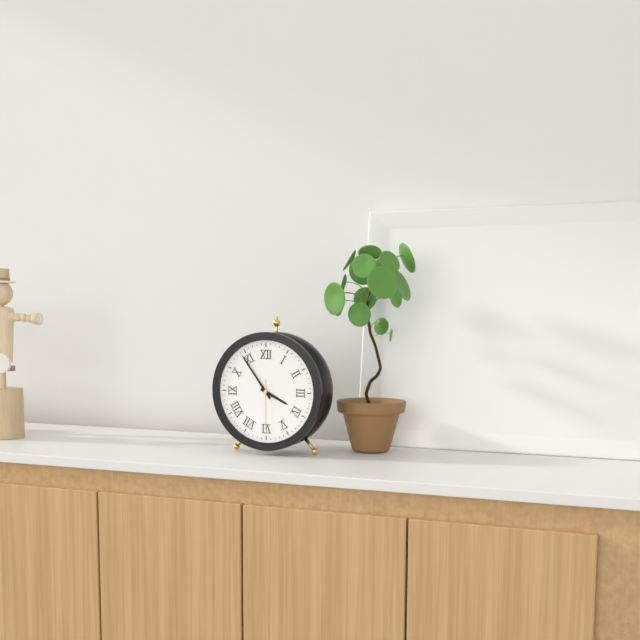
h=3 m=54 s=30
